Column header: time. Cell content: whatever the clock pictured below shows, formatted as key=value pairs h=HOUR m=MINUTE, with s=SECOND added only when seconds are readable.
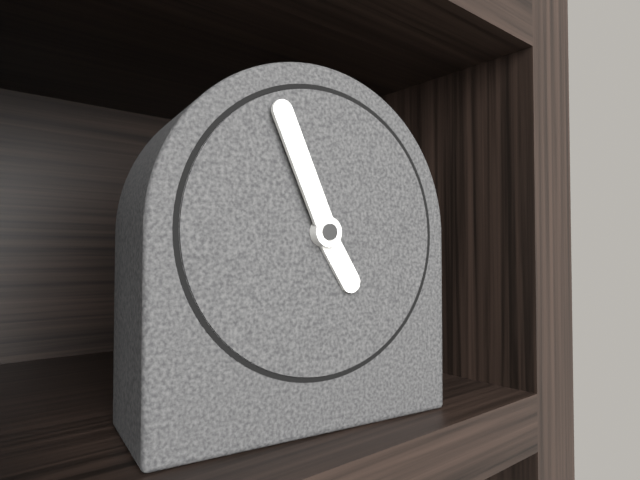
h=4 m=56
